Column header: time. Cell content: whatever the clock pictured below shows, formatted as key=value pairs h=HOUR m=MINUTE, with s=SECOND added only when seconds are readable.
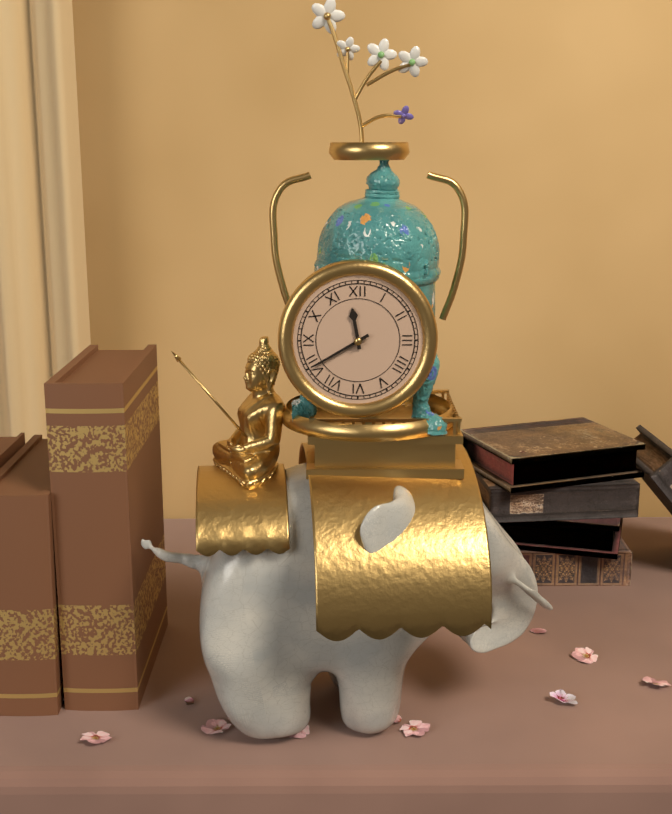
h=11 m=40
